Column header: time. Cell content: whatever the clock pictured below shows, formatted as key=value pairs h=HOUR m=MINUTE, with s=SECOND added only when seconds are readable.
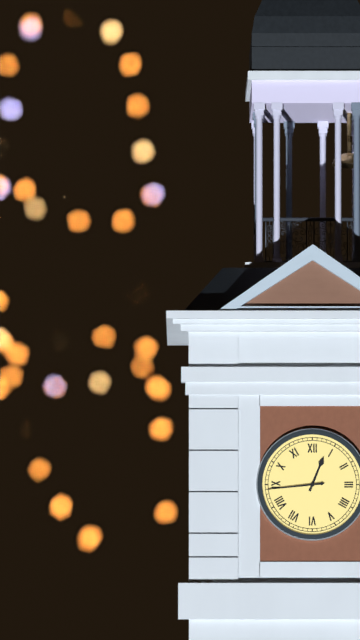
h=12 m=44
